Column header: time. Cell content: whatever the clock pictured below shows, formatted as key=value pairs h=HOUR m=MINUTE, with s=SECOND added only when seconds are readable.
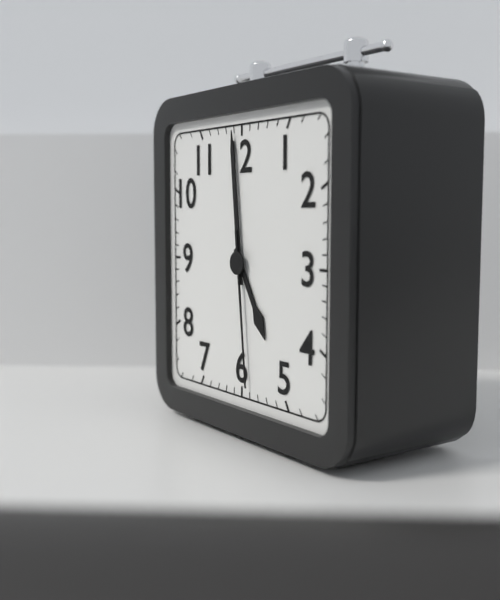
h=4 m=59 s=29
